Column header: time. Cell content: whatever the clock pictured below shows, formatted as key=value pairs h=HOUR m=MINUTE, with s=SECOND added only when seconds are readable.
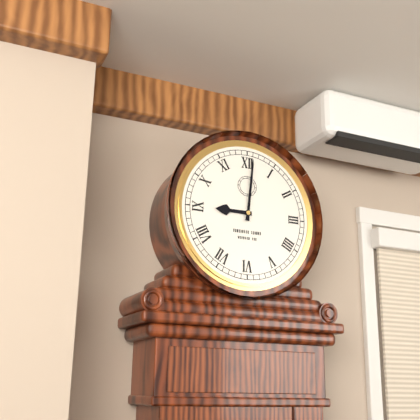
h=9 m=1
